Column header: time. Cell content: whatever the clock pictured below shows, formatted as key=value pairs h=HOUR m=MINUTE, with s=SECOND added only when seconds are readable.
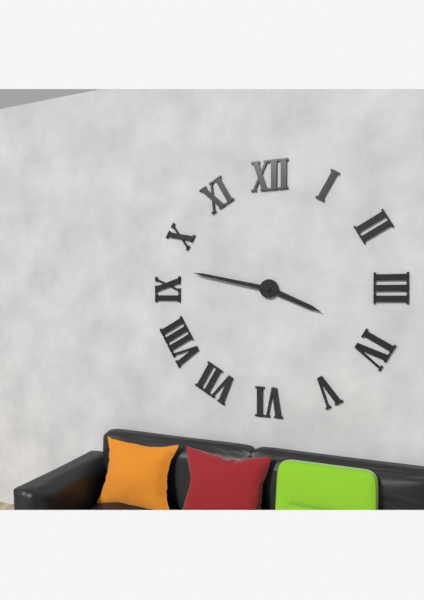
h=3 m=47
